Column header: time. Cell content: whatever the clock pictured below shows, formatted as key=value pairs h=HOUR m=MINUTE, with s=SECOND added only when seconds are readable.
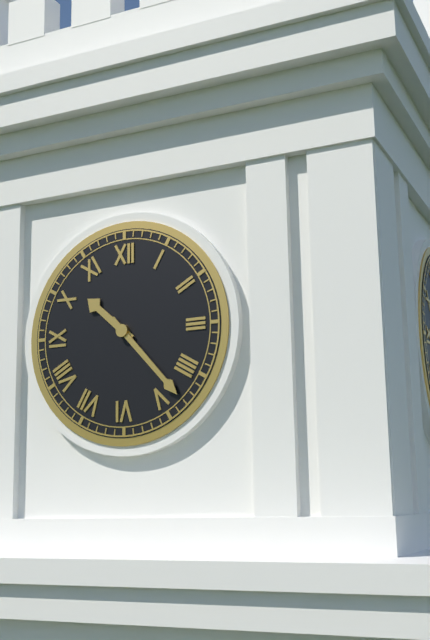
h=10 m=23
